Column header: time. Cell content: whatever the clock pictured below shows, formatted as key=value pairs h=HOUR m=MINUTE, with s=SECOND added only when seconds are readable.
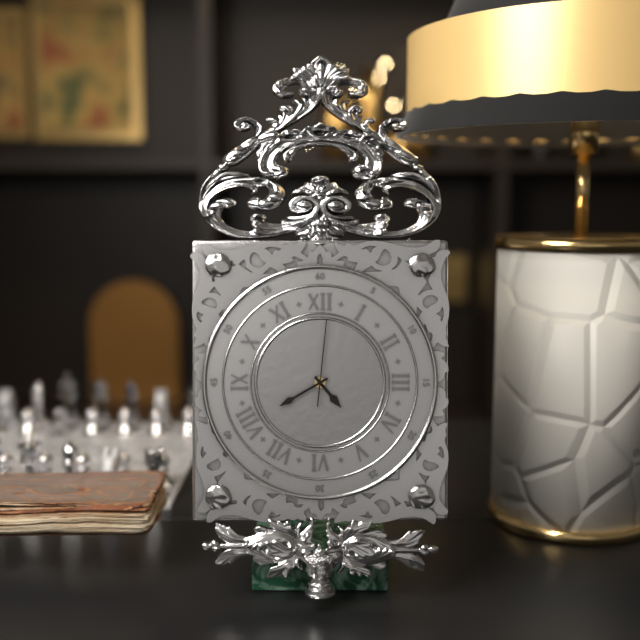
h=4 m=40 s=1
